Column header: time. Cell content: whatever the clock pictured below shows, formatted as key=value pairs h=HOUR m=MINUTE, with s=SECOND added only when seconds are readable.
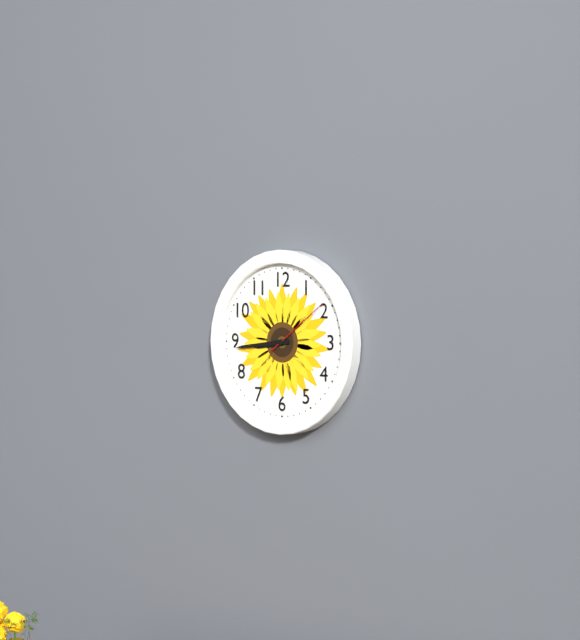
h=8 m=44 s=9
